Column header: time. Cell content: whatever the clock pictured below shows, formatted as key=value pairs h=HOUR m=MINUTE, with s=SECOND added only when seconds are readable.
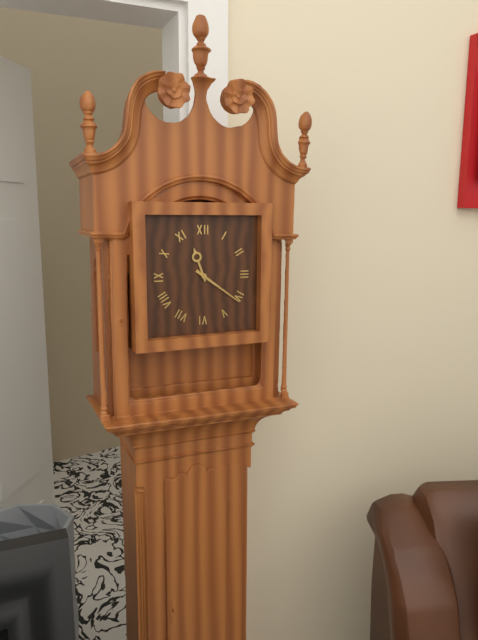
h=11 m=21
